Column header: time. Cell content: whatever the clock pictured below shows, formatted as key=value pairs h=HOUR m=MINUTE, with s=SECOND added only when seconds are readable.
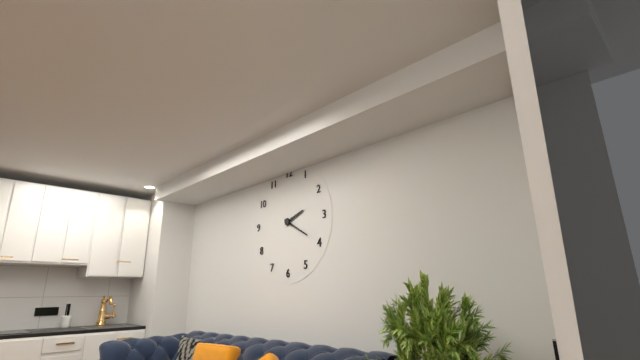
h=2 m=20
